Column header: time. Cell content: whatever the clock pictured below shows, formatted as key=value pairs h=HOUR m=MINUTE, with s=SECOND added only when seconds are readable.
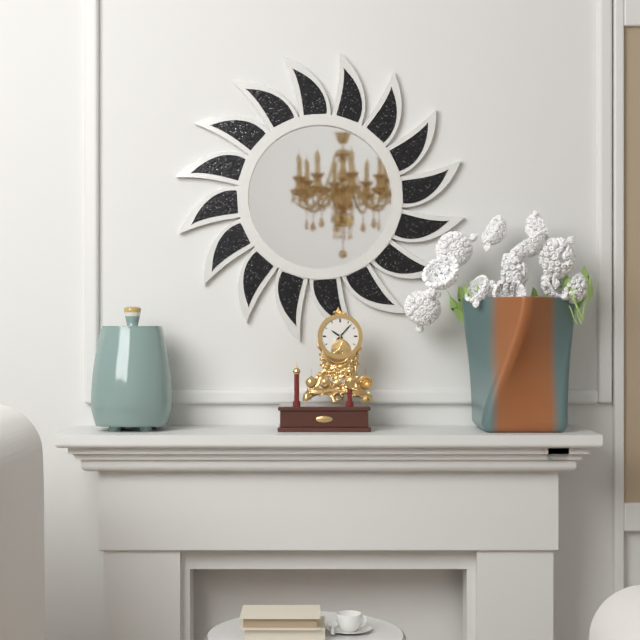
h=10 m=7
